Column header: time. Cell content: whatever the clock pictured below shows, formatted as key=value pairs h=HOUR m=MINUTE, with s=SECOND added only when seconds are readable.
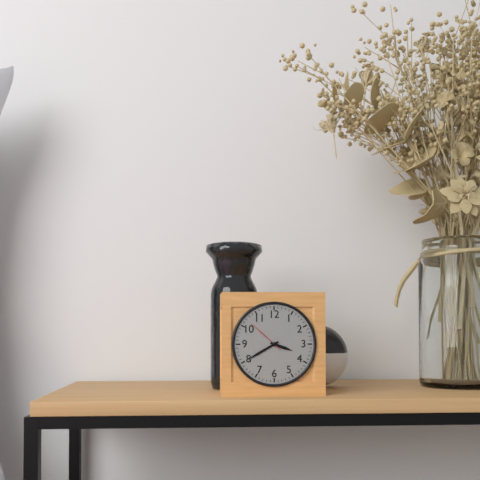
h=3 m=40
